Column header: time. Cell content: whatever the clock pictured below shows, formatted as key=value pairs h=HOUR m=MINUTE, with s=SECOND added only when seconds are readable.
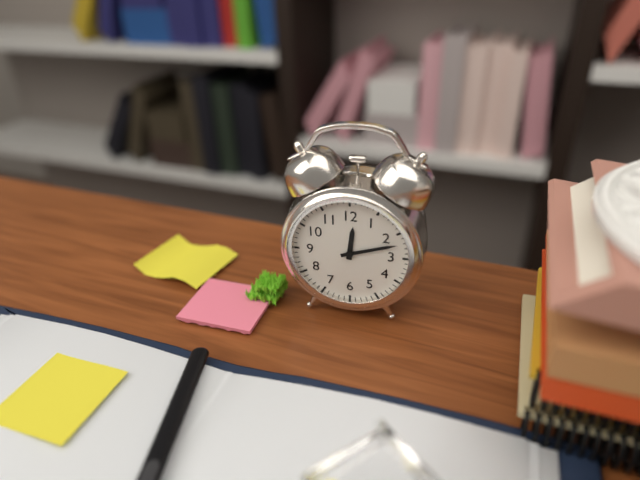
h=12 m=12
